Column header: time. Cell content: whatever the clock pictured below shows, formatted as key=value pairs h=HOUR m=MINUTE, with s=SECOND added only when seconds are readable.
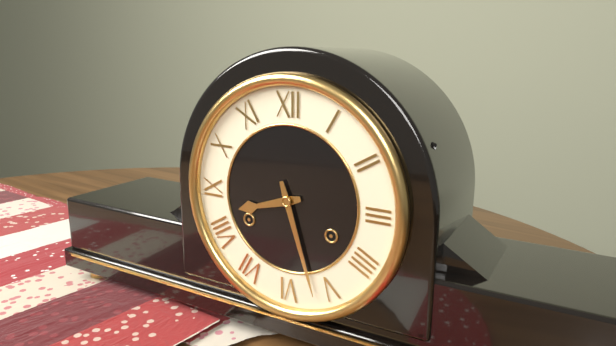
h=8 m=27
